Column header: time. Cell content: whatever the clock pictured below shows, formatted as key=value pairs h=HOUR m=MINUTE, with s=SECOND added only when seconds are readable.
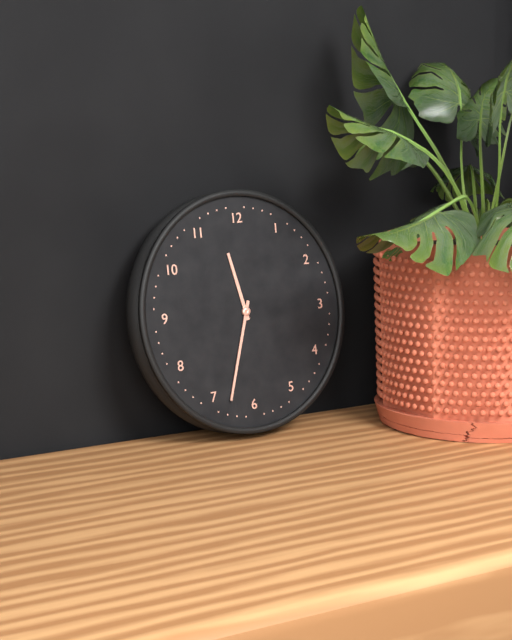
h=11 m=33
